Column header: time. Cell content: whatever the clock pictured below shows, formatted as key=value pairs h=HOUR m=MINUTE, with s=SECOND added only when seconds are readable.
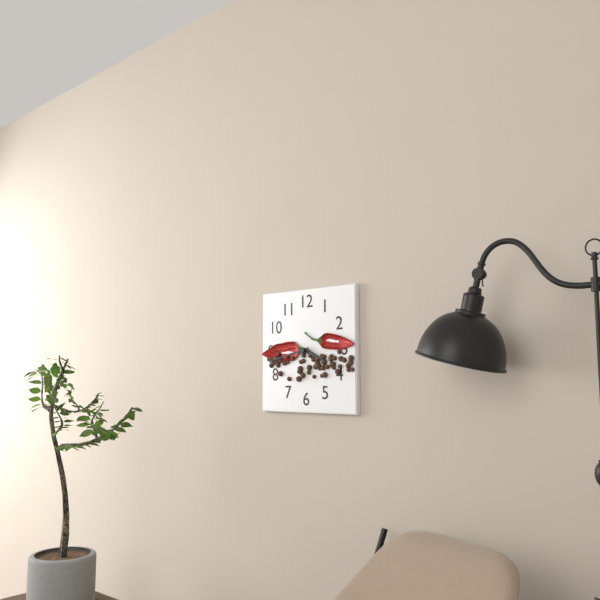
h=3 m=43
